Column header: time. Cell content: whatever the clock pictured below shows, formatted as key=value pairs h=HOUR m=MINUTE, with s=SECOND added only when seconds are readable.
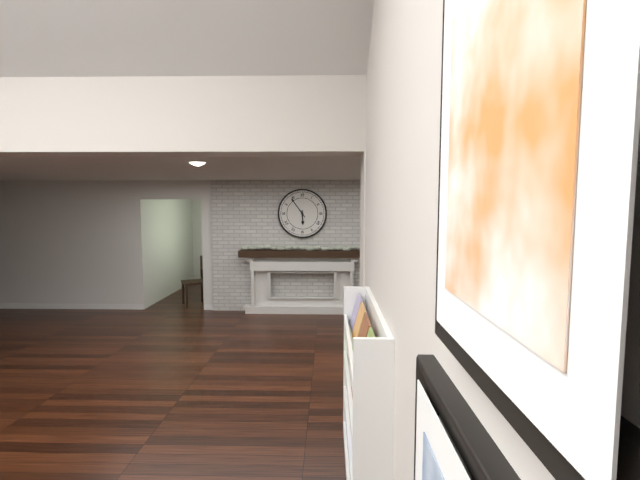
h=5 m=54
